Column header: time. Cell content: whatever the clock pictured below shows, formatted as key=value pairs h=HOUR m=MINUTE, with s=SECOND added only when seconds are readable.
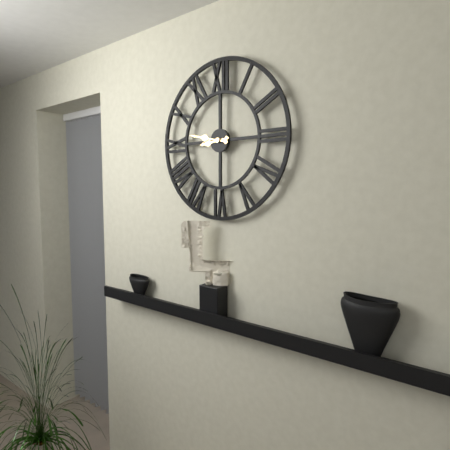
h=8 m=47
